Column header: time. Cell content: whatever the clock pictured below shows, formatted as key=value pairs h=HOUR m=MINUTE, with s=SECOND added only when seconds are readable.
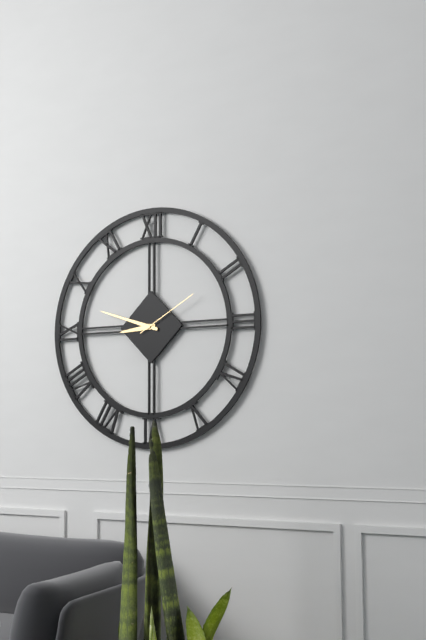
h=8 m=48 s=10
